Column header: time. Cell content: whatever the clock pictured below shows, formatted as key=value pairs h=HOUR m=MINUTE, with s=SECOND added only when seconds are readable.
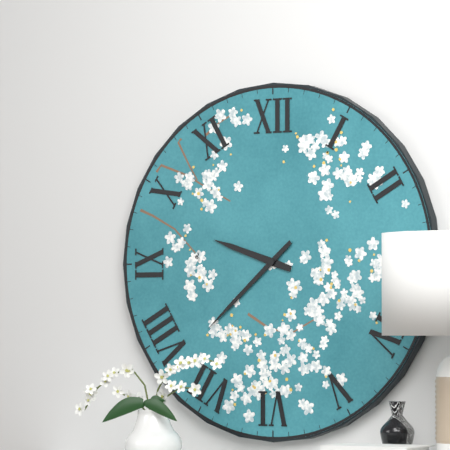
h=9 m=38
